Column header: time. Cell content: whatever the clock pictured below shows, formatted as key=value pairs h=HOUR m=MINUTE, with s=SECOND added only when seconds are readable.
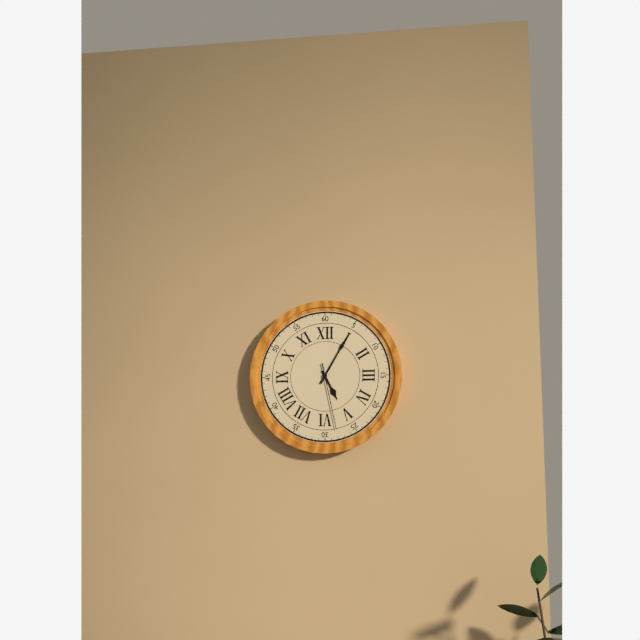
h=5 m=5 s=28
